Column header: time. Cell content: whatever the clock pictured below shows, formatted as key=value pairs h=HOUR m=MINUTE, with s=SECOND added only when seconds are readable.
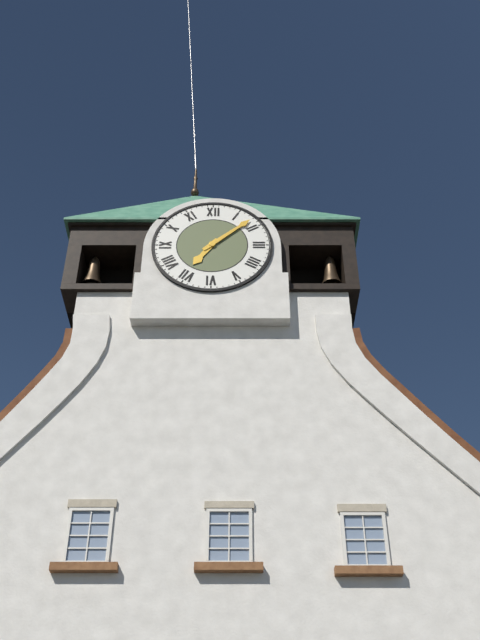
h=7 m=8
